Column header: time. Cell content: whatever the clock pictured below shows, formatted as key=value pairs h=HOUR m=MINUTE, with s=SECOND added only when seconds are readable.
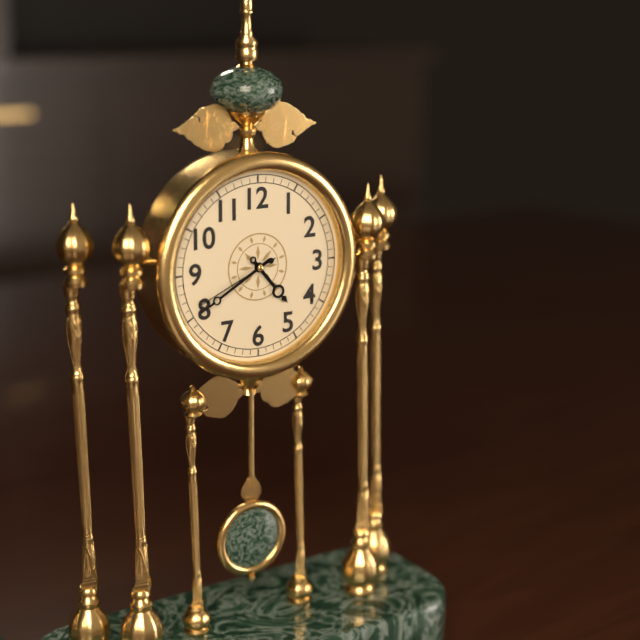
h=4 m=40 s=41
